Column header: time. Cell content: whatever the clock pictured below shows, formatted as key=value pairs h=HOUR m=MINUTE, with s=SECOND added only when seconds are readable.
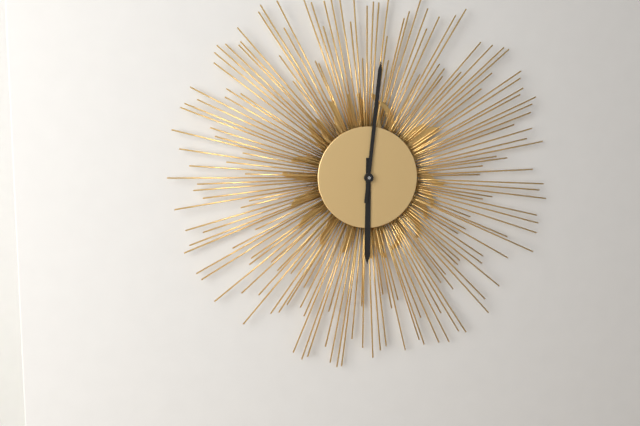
h=6 m=1
